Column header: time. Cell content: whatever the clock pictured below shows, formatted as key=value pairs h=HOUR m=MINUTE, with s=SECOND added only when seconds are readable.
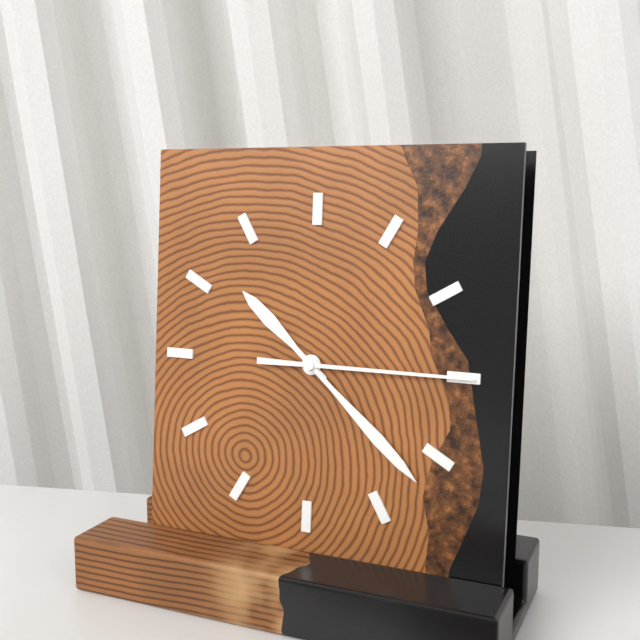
h=10 m=22 s=15
